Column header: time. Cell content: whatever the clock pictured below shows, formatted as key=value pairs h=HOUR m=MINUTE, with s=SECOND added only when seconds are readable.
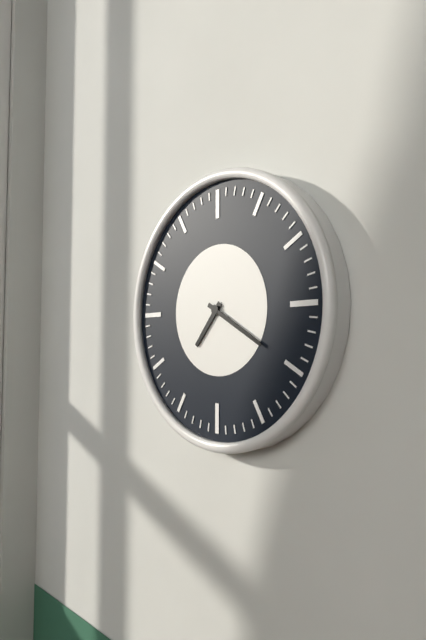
h=7 m=20
